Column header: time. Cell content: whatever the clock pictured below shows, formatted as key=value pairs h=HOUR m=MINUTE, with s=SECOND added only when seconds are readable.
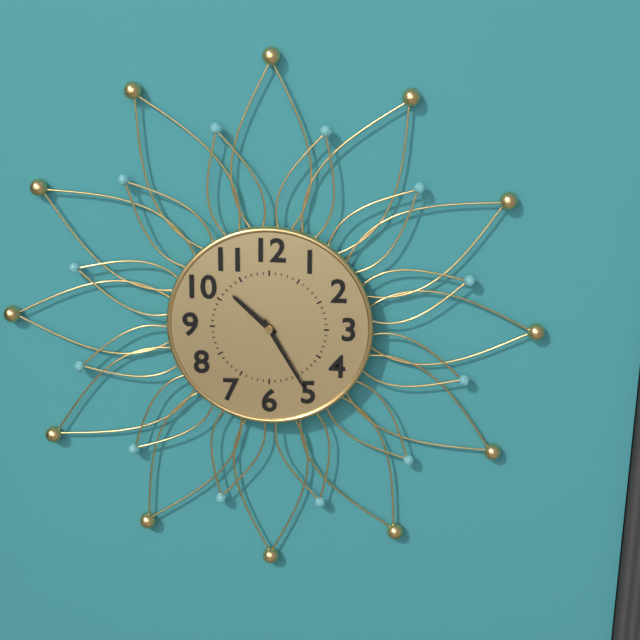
h=10 m=25
